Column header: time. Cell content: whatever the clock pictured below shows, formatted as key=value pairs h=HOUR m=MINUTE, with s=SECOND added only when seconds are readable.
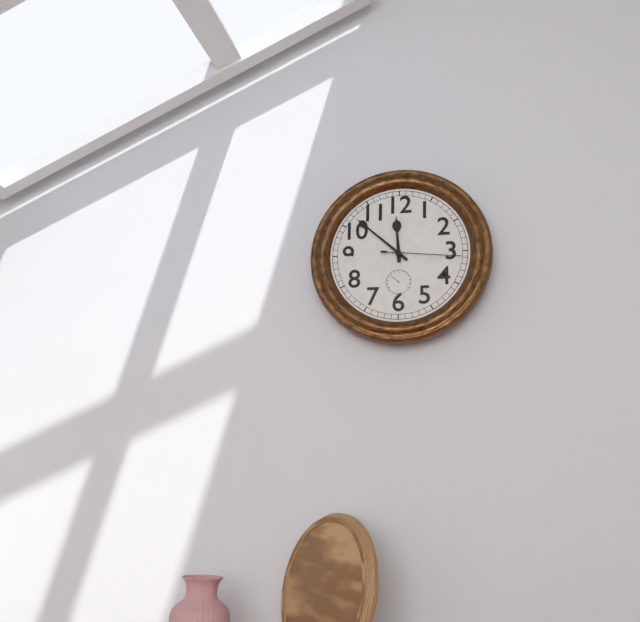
h=11 m=52 s=16
